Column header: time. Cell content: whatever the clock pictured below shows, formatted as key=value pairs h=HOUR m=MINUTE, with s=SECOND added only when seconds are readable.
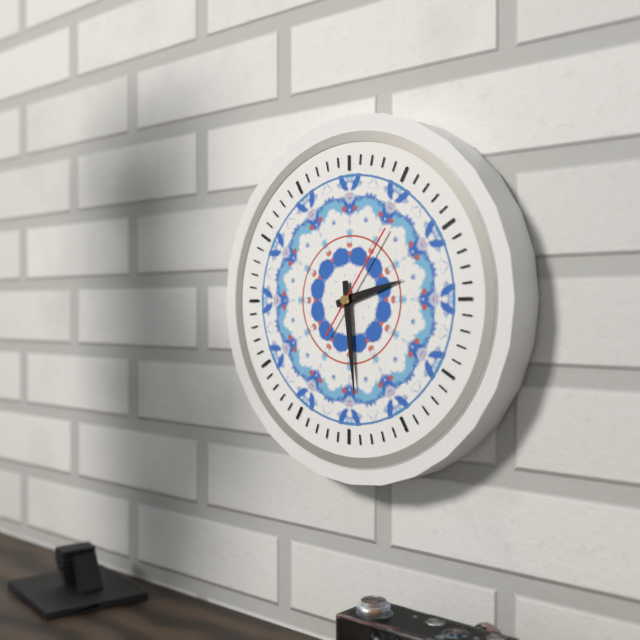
h=2 m=29 s=6
